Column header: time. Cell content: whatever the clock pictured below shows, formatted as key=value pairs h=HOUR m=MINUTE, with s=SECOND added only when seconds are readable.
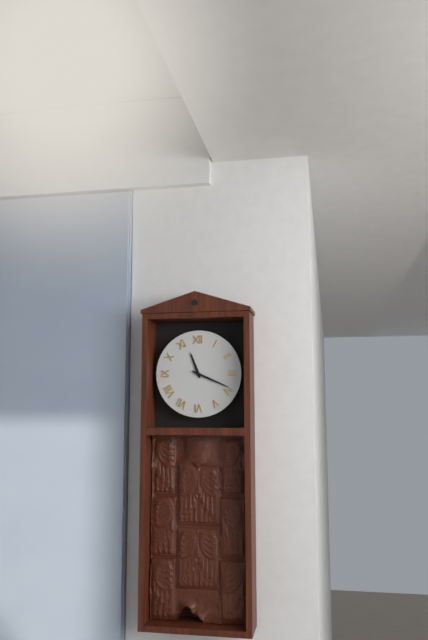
h=11 m=19
